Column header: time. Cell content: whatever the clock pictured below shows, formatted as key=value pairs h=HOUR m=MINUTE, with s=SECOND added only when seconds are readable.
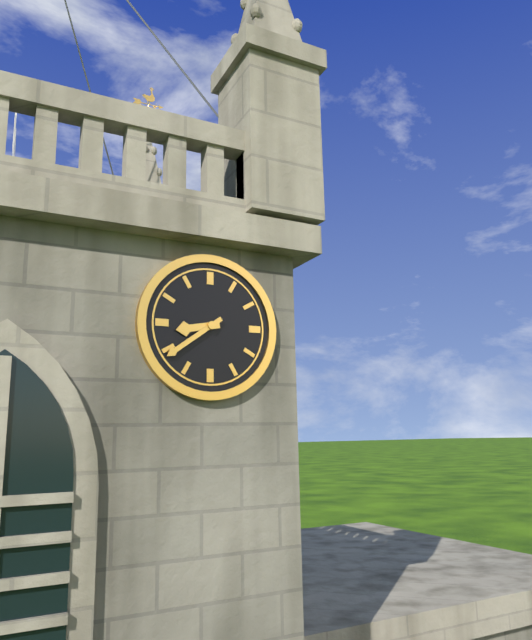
h=8 m=39
